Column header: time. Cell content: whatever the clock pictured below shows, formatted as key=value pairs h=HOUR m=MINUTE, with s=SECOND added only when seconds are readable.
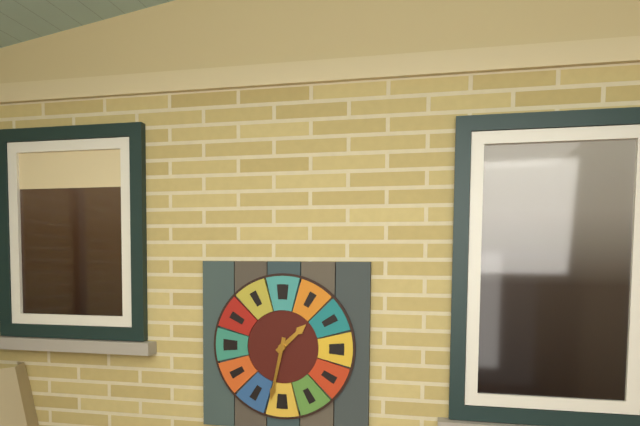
h=1 m=32
